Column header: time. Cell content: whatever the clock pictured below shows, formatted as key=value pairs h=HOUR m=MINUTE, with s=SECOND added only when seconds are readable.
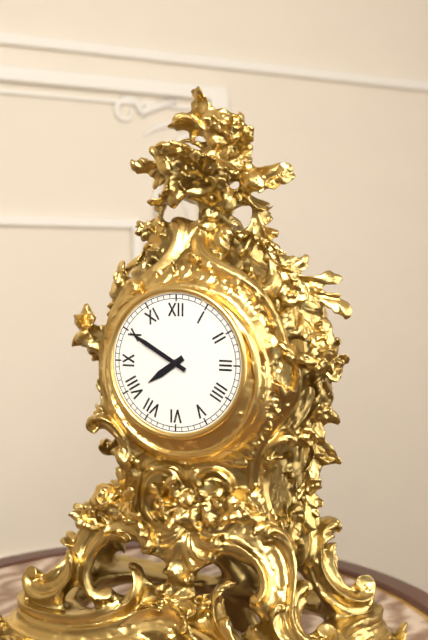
h=7 m=50
